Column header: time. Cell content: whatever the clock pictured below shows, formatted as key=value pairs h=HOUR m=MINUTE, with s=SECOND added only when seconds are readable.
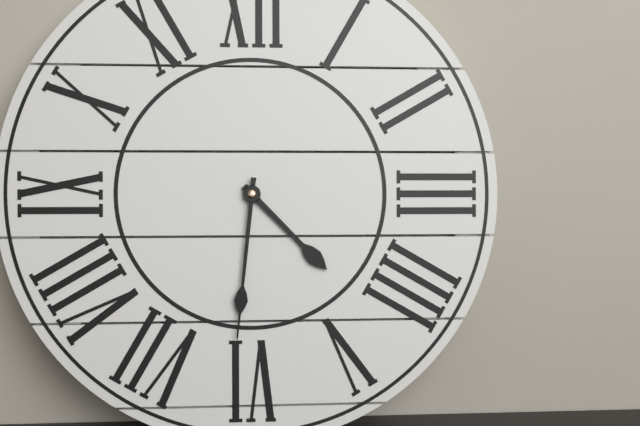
h=4 m=31
